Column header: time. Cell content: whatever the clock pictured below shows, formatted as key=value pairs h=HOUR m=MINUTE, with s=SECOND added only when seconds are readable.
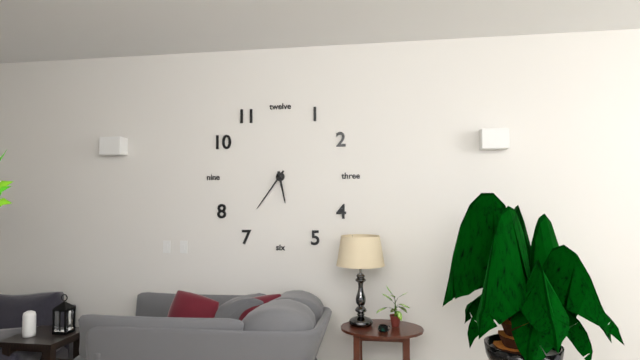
h=5 m=36
